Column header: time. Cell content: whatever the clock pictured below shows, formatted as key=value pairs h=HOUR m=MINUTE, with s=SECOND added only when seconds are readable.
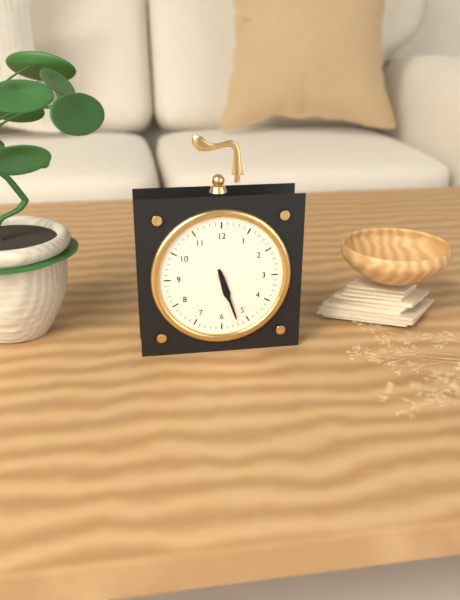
h=5 m=27
